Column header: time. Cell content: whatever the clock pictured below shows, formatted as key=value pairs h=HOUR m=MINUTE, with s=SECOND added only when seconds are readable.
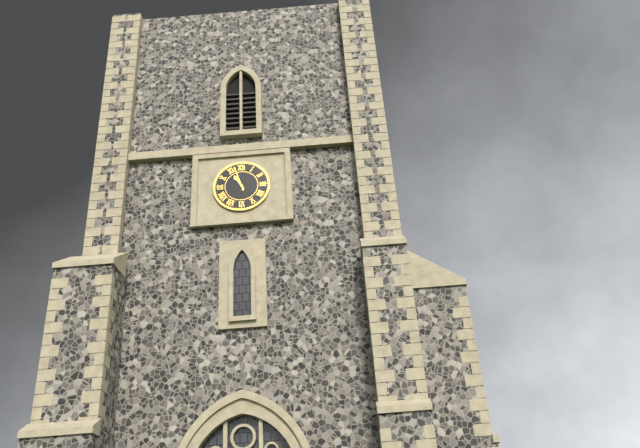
h=10 m=57
